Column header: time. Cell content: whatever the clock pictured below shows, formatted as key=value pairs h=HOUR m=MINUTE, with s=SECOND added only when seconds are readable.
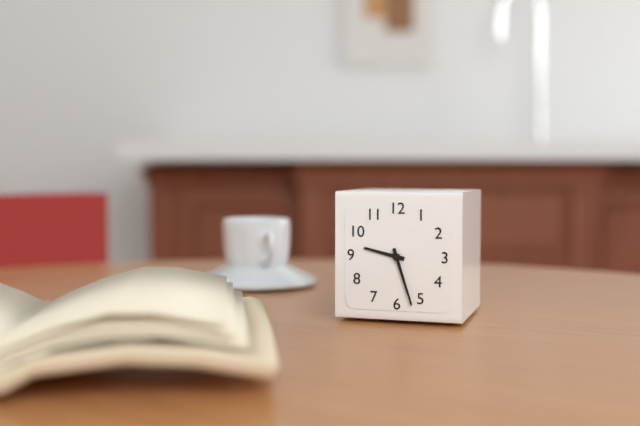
h=9 m=27
